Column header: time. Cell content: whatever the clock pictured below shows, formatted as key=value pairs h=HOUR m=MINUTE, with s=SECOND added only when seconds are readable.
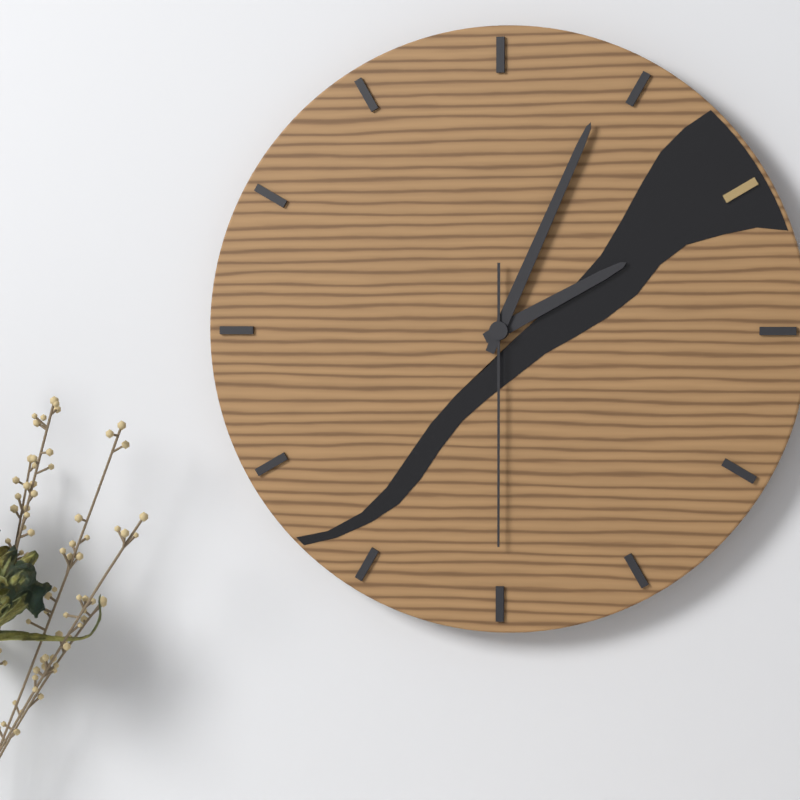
h=2 m=4 s=30
